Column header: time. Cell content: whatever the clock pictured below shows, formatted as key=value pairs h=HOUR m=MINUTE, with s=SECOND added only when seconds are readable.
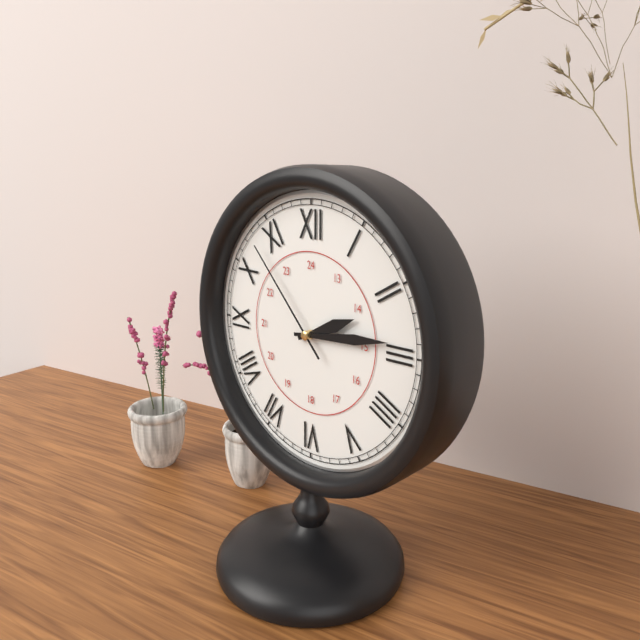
h=2 m=14 s=53
